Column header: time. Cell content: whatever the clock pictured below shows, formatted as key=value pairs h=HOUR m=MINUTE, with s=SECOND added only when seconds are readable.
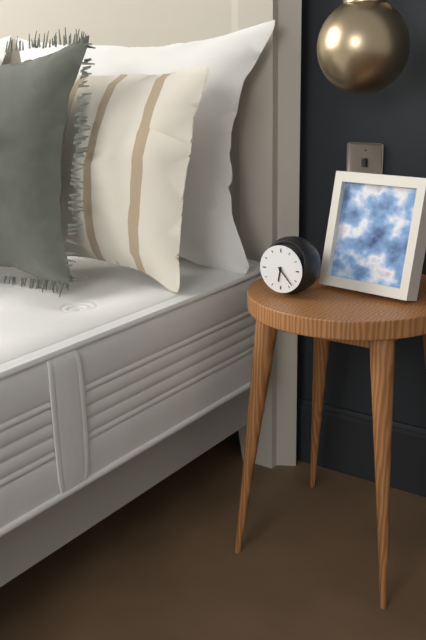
h=6 m=23
